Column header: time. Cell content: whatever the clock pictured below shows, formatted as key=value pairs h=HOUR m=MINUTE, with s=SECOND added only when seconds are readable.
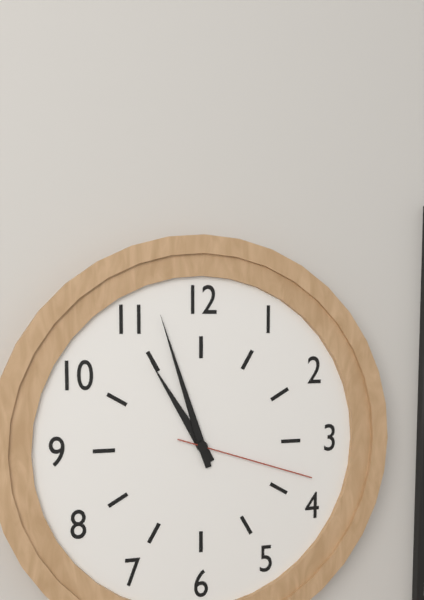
h=10 m=57 s=18
